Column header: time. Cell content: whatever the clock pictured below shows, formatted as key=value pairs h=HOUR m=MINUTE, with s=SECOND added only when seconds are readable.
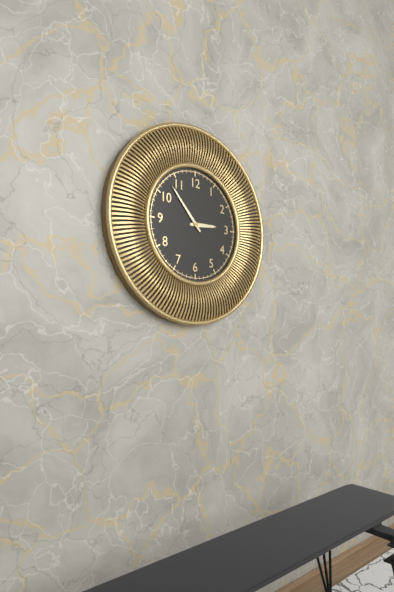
h=2 m=53
